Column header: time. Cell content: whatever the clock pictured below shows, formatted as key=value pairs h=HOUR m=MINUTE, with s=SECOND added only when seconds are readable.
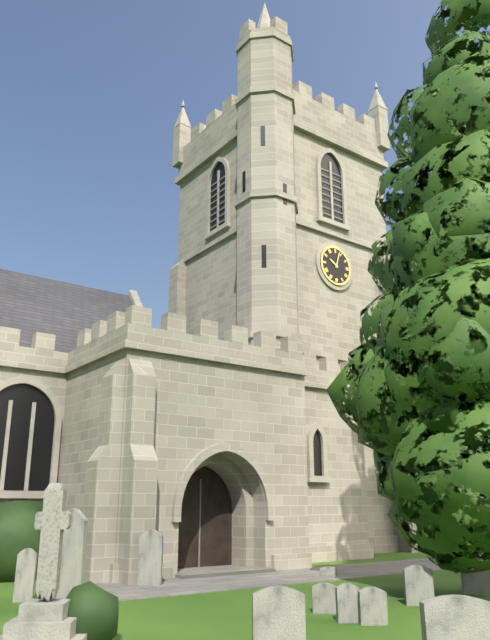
h=10 m=3
